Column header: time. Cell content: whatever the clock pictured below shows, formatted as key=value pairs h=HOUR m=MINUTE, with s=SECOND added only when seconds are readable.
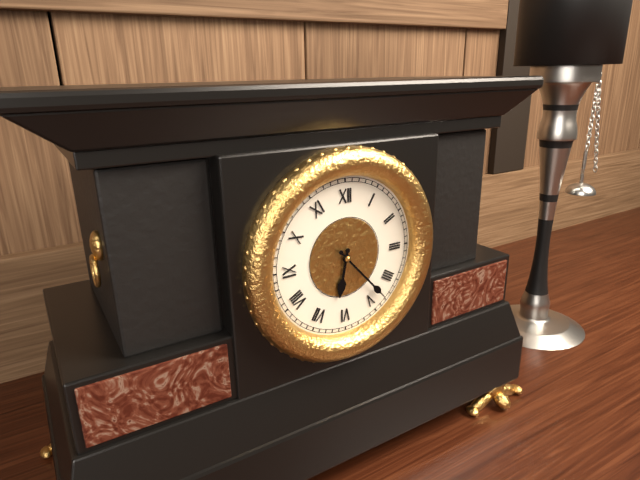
h=6 m=23
